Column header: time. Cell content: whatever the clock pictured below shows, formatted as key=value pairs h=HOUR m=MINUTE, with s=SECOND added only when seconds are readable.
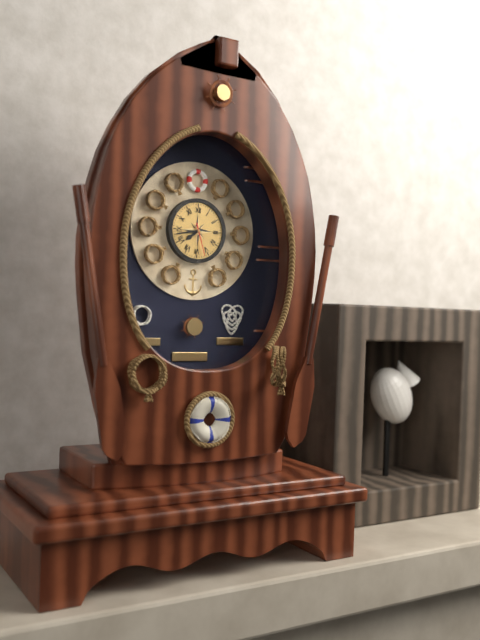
h=7 m=43
